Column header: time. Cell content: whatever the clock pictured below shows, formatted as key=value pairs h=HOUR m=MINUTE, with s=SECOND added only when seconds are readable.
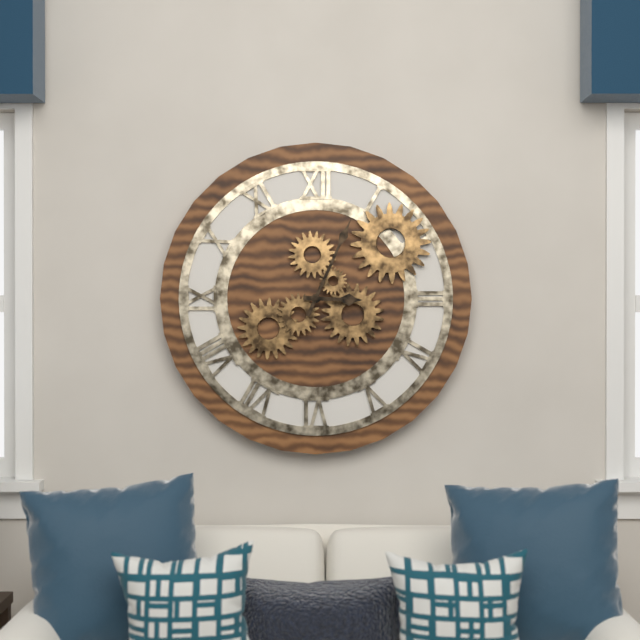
h=3 m=4
